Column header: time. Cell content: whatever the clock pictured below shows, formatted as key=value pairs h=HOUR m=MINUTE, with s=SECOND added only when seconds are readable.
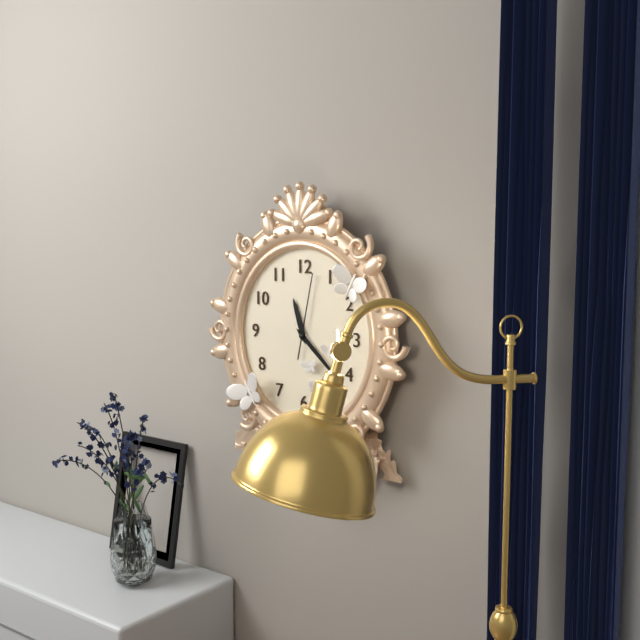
h=11 m=22 s=2
